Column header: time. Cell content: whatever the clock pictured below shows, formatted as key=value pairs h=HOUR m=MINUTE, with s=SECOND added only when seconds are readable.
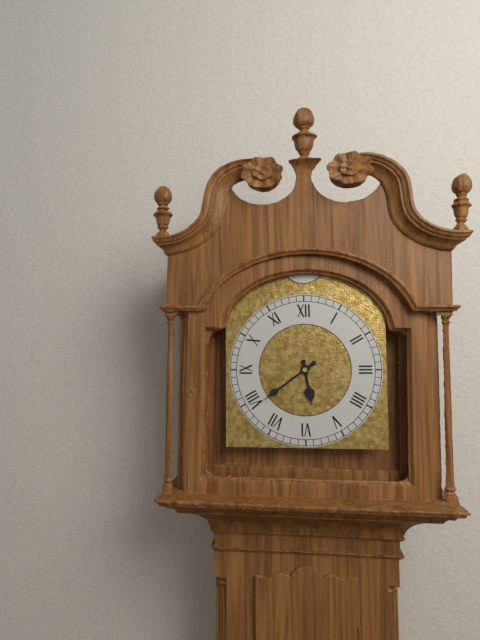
h=5 m=39
